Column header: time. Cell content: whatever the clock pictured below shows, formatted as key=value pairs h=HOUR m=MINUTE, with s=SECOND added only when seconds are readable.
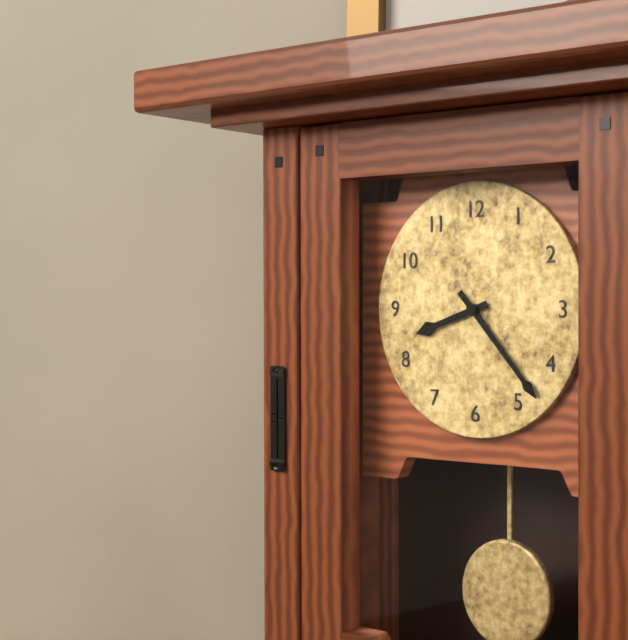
h=8 m=23
